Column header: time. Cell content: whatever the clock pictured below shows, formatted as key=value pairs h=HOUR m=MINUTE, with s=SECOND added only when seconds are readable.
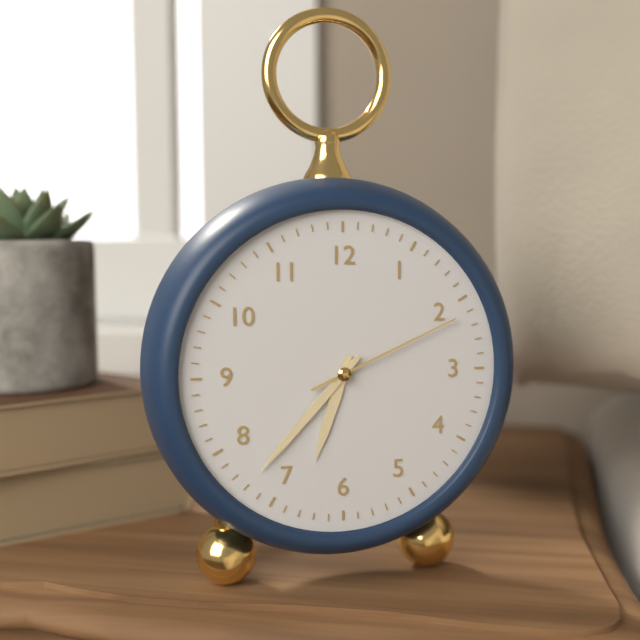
h=6 m=37 s=11
